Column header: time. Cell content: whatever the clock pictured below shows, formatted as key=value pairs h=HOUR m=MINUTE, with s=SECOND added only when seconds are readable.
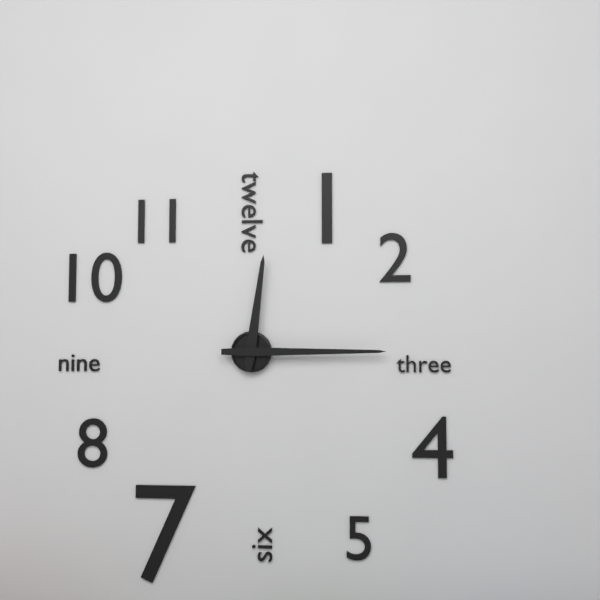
h=12 m=15
